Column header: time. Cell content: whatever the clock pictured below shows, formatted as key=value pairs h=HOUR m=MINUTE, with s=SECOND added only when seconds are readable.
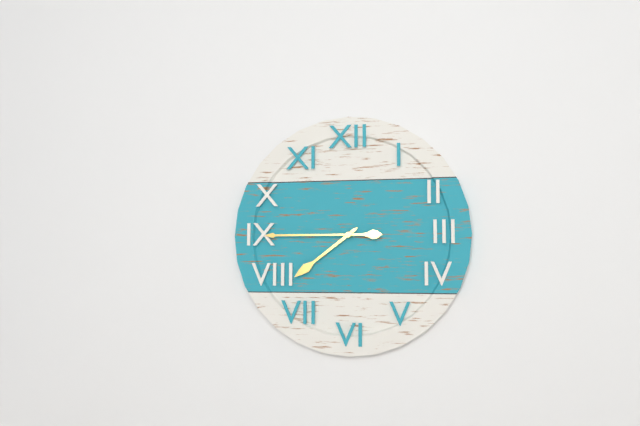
h=7 m=45
